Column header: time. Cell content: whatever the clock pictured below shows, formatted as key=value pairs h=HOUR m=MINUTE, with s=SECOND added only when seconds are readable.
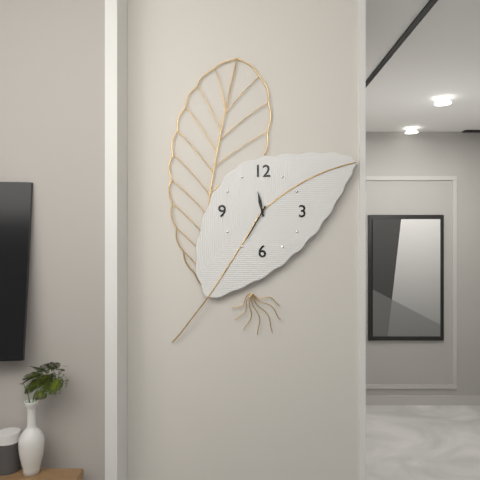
h=11 m=35
